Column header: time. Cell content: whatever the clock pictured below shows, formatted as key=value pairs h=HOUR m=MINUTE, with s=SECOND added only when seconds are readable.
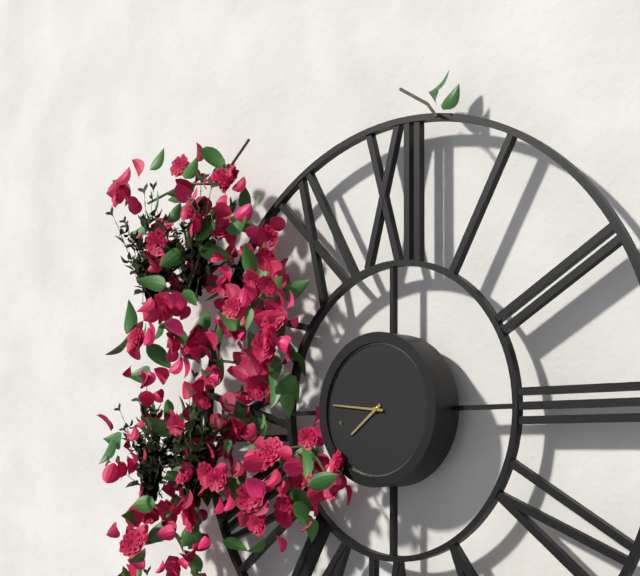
h=7 m=46
